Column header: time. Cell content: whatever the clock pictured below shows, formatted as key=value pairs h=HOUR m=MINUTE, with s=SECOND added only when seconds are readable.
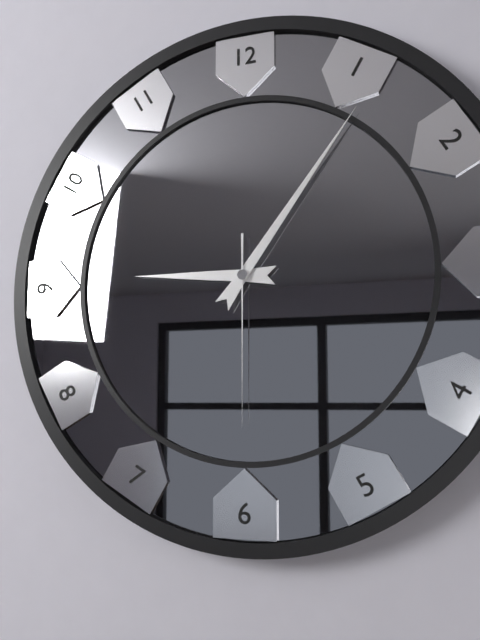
h=9 m=6 s=30
